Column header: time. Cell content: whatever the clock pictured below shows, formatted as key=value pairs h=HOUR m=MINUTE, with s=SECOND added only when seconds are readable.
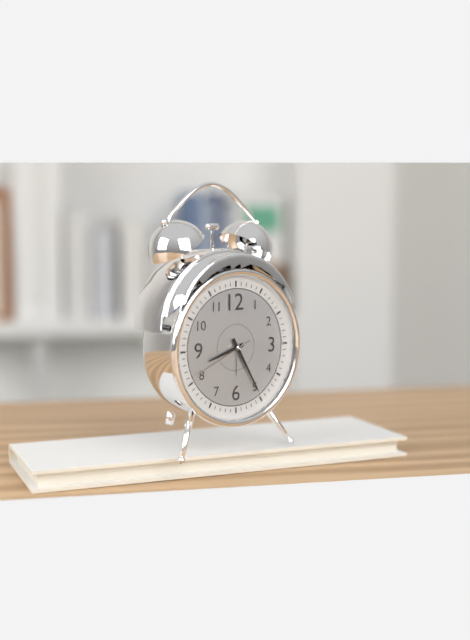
h=8 m=25 s=41
